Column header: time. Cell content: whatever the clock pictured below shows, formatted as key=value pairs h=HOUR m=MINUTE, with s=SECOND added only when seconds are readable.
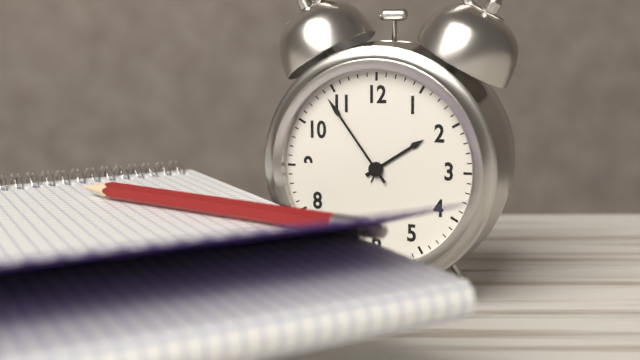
h=1 m=54
